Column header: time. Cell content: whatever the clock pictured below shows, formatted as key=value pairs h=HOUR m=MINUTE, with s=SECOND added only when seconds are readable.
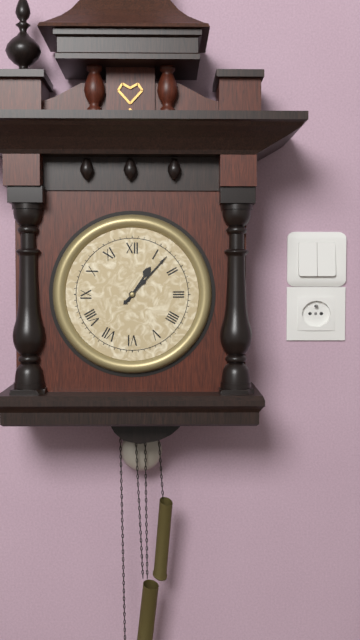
h=1 m=7
